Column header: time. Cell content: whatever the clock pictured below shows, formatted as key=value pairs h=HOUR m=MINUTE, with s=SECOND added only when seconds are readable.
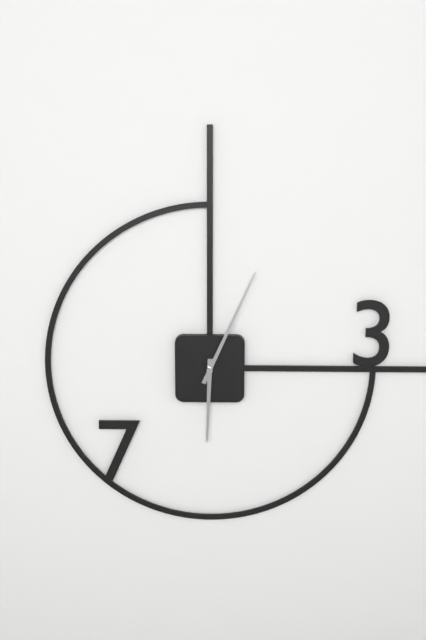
h=6 m=4
